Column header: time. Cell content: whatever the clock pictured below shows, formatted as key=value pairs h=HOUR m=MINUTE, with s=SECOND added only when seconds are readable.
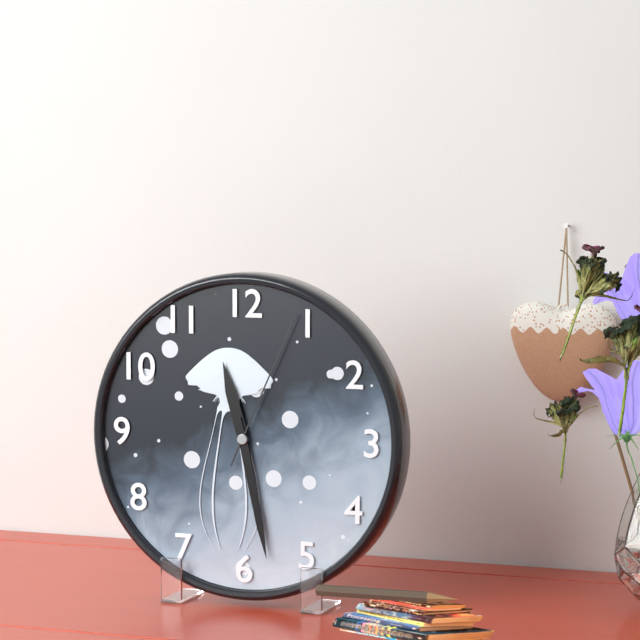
h=11 m=28 s=4
